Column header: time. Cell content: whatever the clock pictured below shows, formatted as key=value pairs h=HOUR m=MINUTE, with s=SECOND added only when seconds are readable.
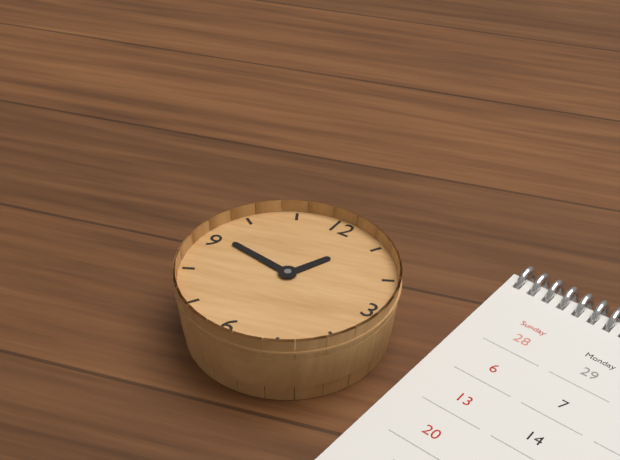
h=12 m=46
